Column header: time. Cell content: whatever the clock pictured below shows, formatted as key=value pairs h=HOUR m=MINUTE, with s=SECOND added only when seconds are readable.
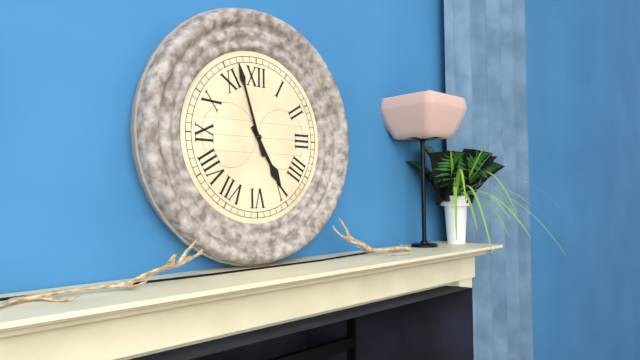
h=4 m=57
